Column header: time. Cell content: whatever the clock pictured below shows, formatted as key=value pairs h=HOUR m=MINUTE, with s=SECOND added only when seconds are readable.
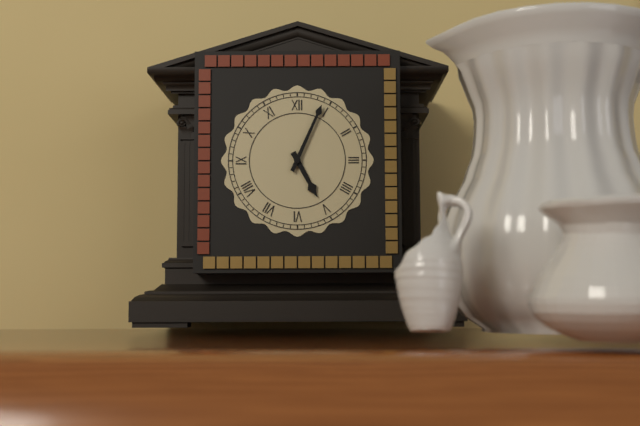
h=5 m=4
